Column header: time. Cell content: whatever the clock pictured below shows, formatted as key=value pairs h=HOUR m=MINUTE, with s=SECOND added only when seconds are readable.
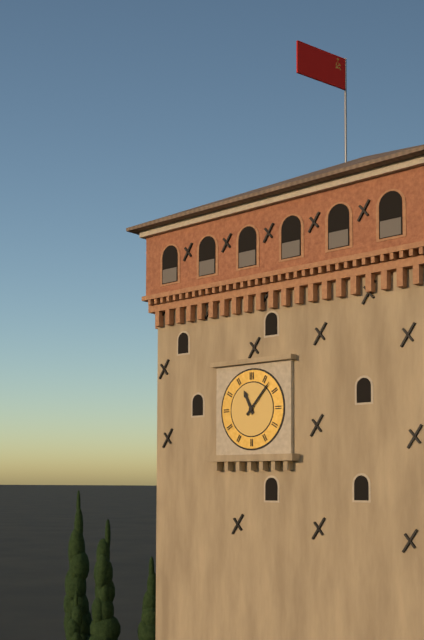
h=11 m=7
